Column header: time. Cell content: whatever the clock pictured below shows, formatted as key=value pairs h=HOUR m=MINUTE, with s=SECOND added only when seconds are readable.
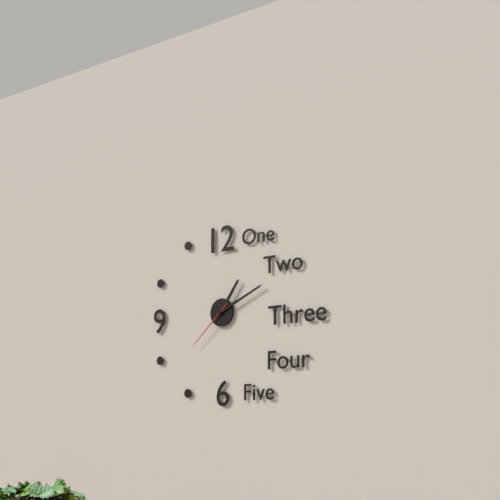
h=1 m=11 s=38
